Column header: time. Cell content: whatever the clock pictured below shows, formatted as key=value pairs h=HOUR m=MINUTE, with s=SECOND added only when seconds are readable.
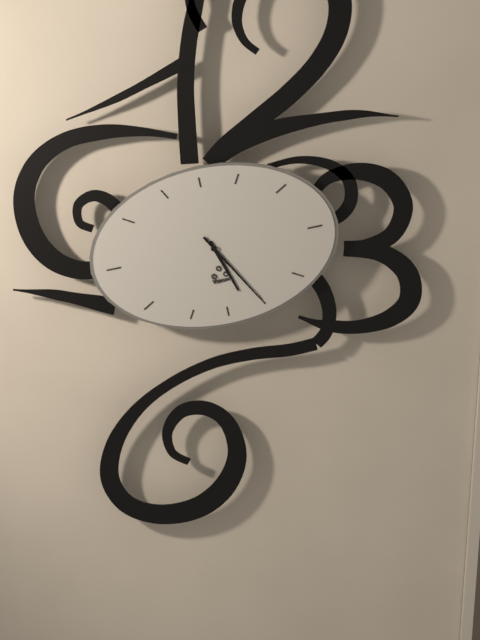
h=5 m=25
